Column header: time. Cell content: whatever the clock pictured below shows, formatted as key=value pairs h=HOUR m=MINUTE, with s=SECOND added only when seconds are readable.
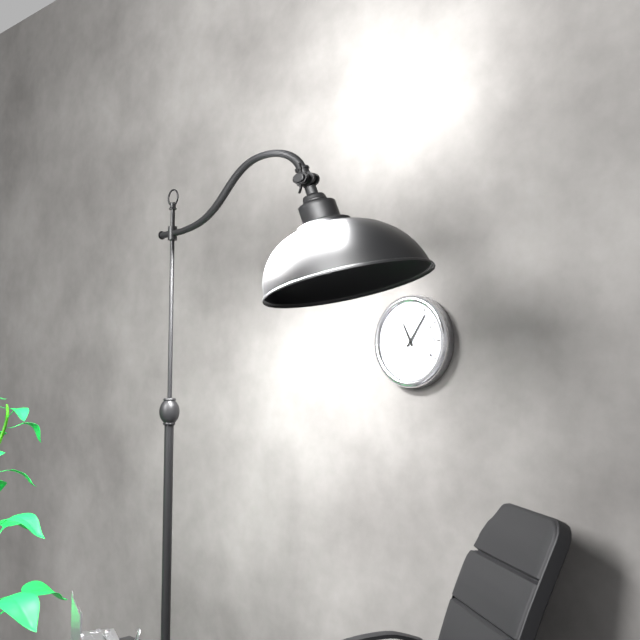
h=11 m=6
